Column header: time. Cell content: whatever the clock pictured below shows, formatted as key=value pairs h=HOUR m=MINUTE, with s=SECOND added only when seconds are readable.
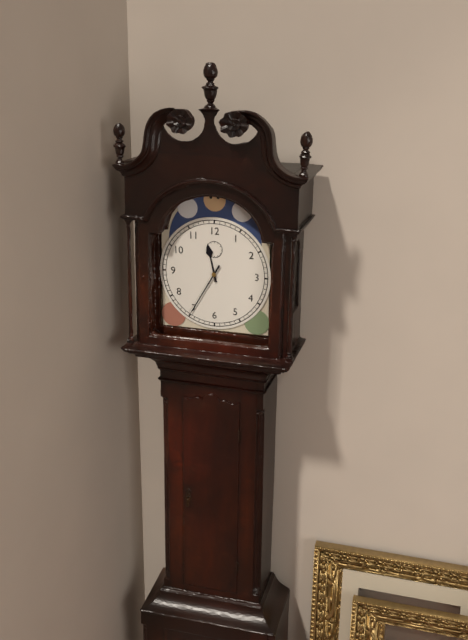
h=11 m=35
